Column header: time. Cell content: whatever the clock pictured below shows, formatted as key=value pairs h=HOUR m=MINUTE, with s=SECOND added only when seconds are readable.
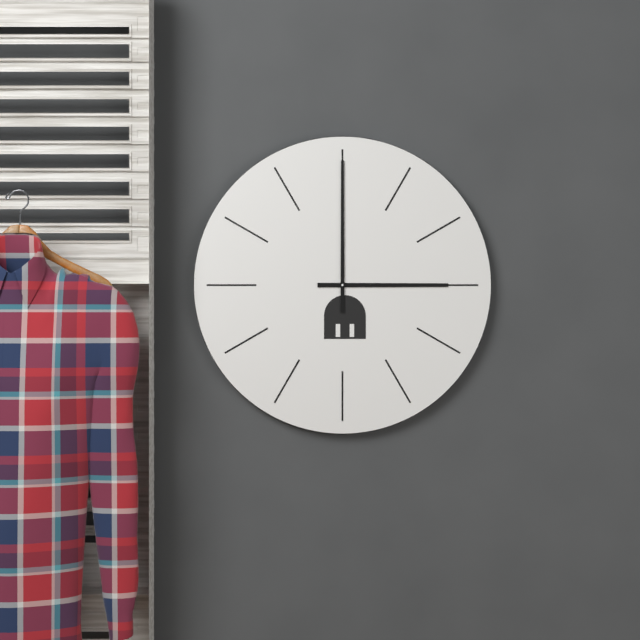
h=3 m=0
